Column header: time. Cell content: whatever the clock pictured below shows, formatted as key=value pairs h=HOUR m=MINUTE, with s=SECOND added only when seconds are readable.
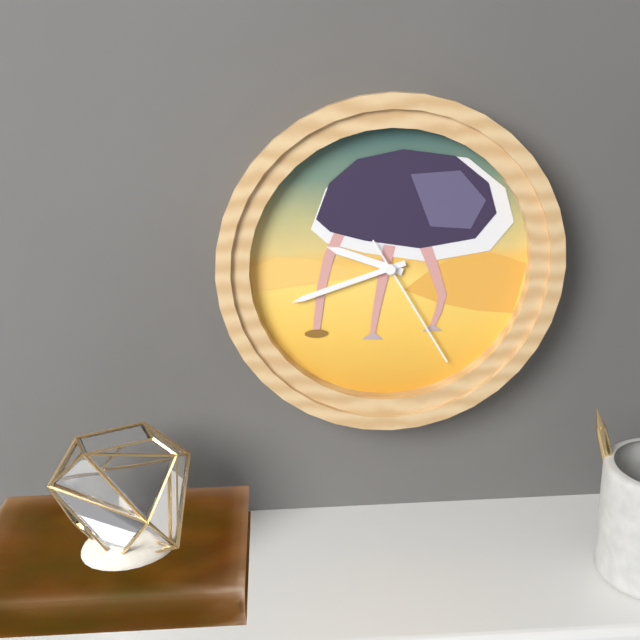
h=9 m=42 s=25
